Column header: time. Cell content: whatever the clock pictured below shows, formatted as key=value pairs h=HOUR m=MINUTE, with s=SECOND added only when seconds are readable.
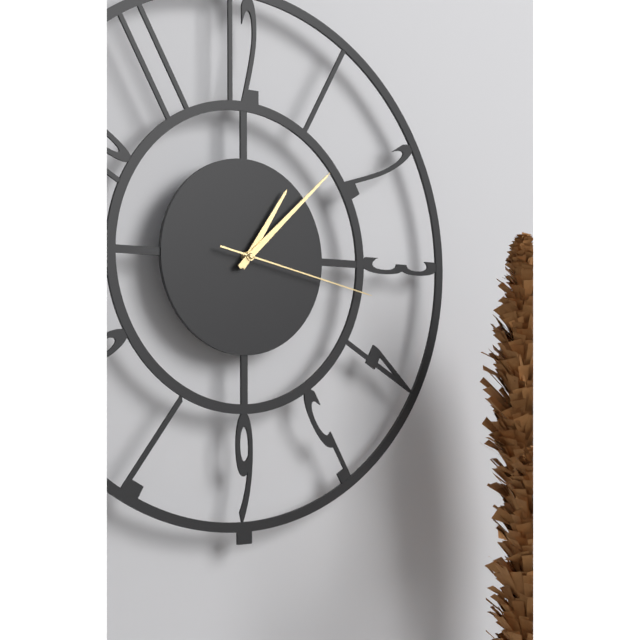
h=1 m=8 s=17
